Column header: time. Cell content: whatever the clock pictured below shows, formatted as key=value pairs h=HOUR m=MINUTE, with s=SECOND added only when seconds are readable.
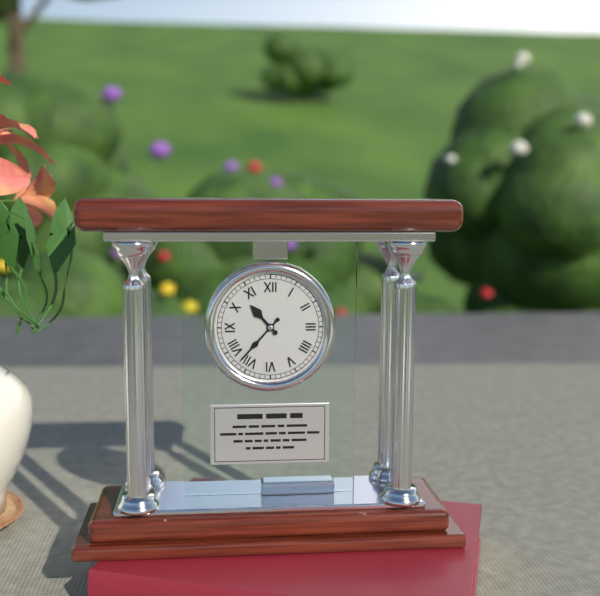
h=10 m=37
